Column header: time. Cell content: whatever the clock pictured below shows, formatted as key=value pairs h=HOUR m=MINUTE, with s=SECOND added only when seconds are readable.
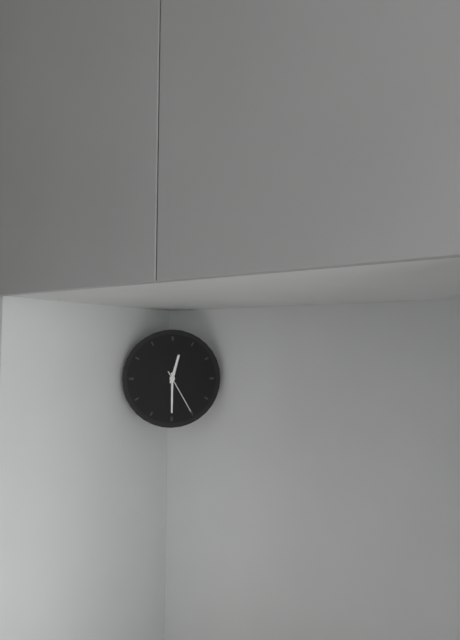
h=12 m=30
